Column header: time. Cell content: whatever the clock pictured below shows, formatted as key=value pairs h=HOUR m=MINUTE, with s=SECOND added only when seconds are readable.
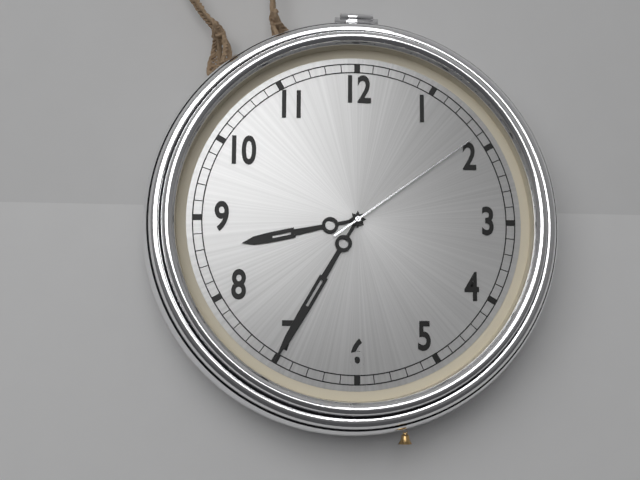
h=8 m=35 s=9
